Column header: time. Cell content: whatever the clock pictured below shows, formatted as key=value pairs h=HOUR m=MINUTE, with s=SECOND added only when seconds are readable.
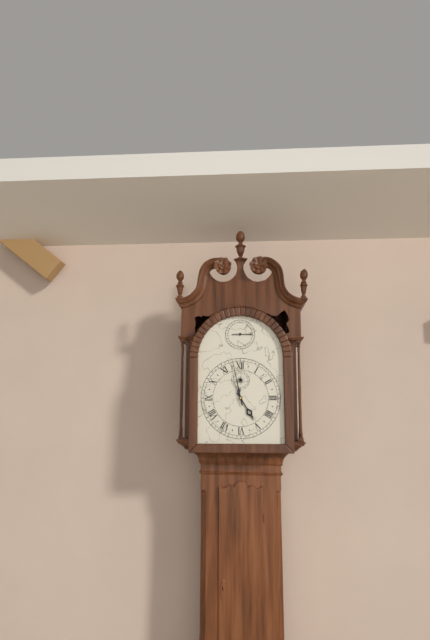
h=4 m=58
